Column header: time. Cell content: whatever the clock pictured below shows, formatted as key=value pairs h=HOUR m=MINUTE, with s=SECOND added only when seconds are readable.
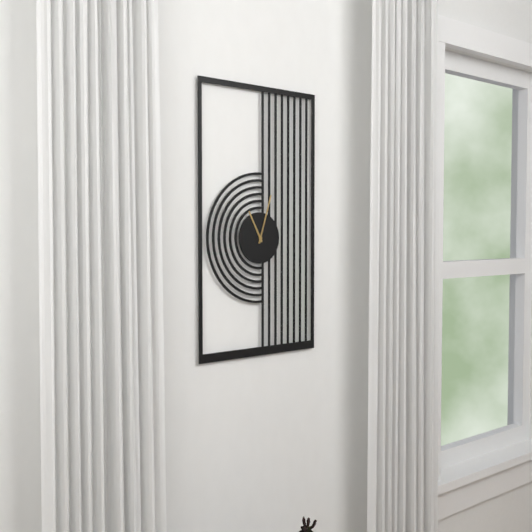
h=11 m=3
